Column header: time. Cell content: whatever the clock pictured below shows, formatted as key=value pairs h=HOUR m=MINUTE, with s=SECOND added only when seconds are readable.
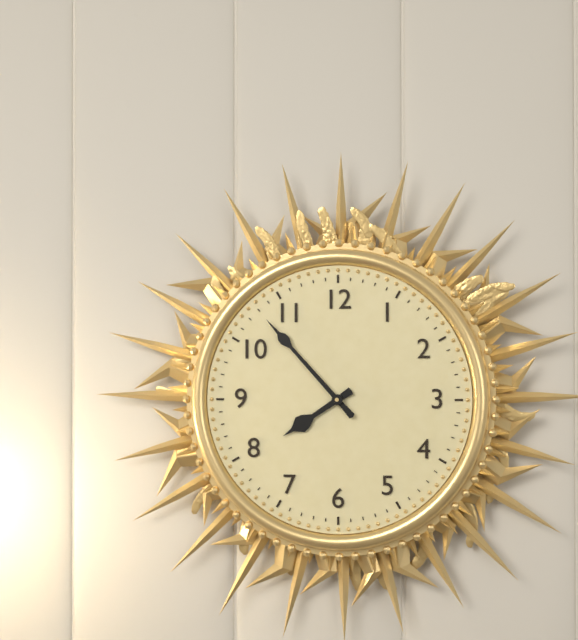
h=7 m=53
